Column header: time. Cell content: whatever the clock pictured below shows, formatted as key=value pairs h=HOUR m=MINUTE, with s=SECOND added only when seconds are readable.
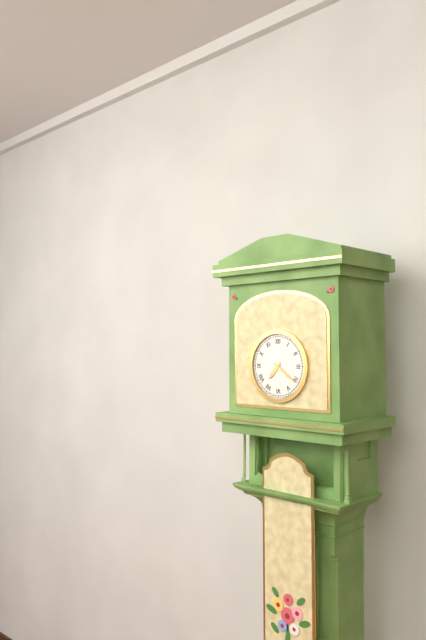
h=7 m=21
